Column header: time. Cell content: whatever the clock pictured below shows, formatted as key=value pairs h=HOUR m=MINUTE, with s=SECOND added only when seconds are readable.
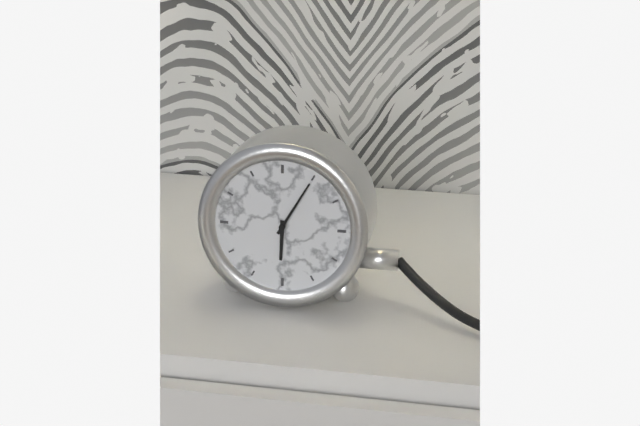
h=6 m=5
